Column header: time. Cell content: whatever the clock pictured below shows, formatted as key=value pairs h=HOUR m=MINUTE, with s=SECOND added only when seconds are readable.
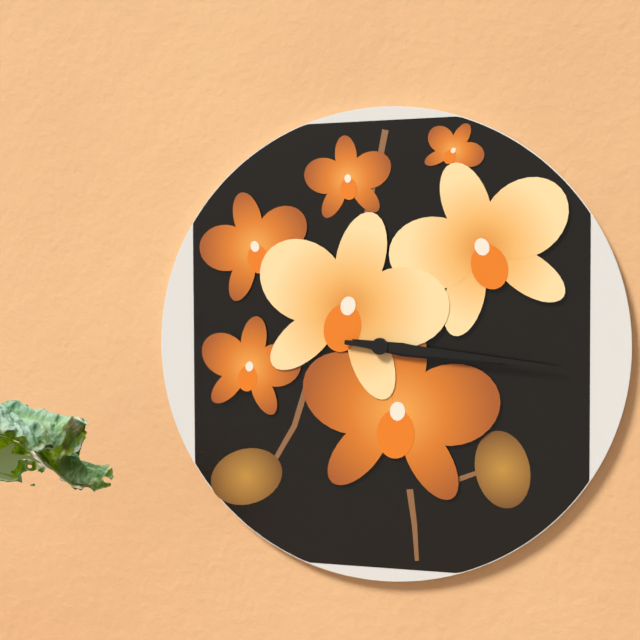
h=3 m=16
